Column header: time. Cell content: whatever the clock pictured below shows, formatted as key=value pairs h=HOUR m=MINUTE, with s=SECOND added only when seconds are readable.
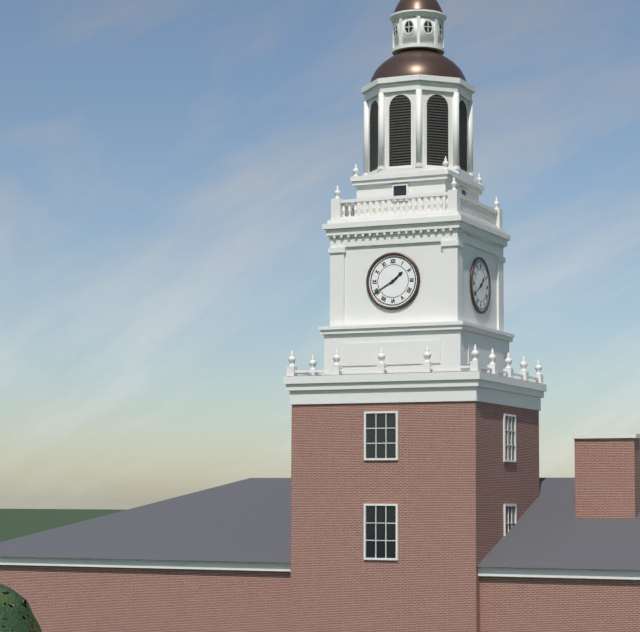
h=1 m=40
